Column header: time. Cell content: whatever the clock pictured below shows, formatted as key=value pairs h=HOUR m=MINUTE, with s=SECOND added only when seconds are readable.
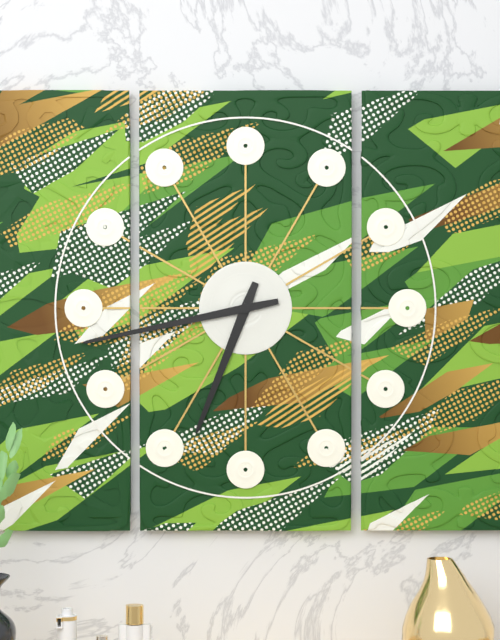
h=6 m=43
